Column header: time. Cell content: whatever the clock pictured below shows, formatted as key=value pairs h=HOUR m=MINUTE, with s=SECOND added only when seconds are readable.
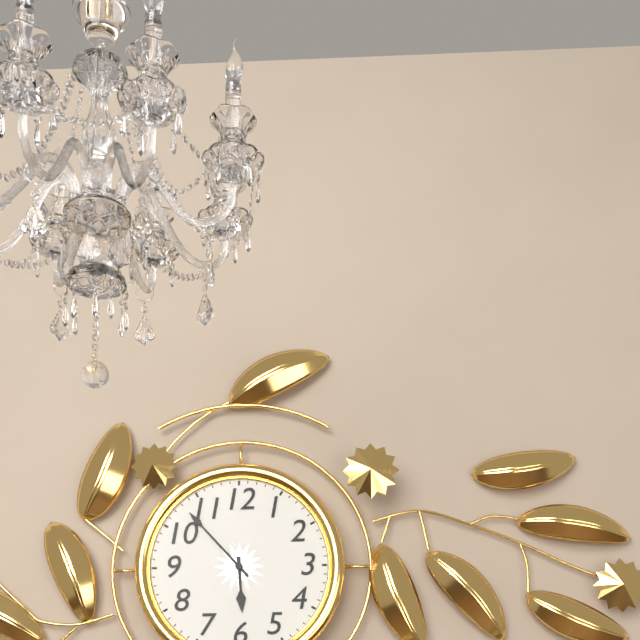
h=5 m=53
